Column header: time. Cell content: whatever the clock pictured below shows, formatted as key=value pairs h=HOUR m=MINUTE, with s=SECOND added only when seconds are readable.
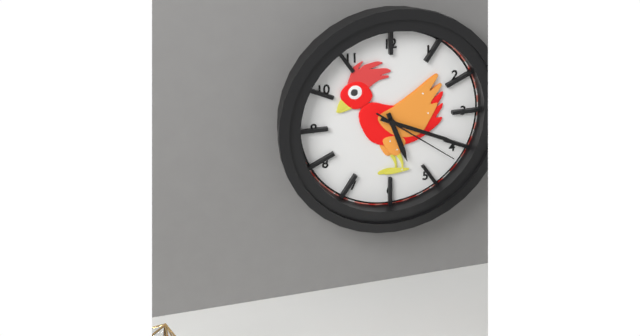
h=5 m=19 s=21
